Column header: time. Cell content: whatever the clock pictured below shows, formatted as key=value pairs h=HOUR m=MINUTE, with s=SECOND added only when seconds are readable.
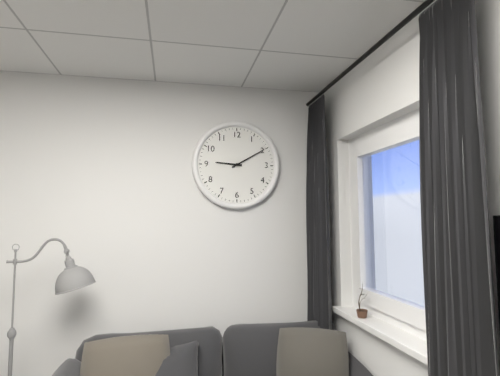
h=9 m=10
